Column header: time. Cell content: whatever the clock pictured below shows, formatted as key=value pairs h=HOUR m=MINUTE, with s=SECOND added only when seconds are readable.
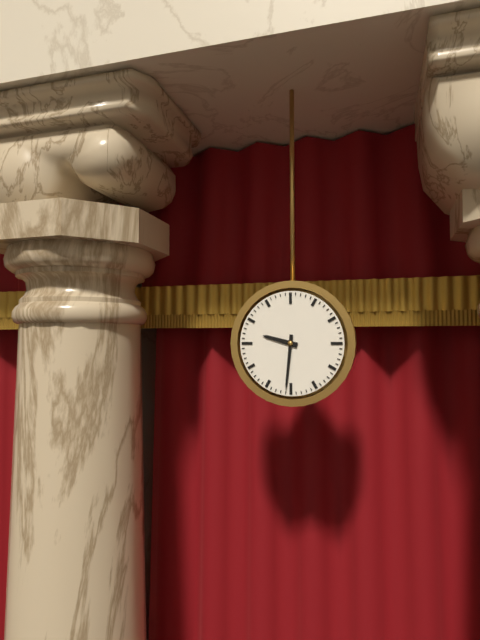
h=9 m=31
